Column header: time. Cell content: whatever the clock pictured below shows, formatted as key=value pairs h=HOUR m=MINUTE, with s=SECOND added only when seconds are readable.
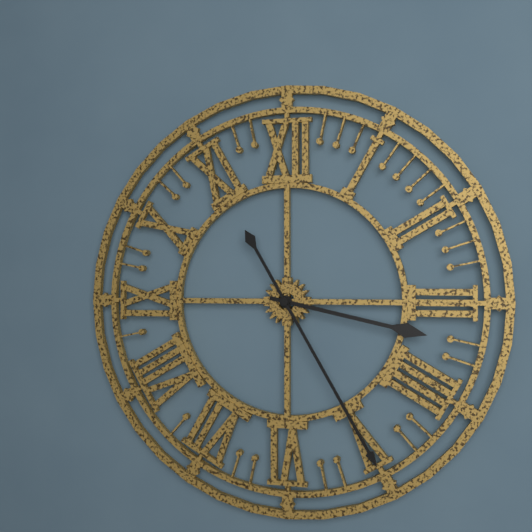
h=3 m=25
